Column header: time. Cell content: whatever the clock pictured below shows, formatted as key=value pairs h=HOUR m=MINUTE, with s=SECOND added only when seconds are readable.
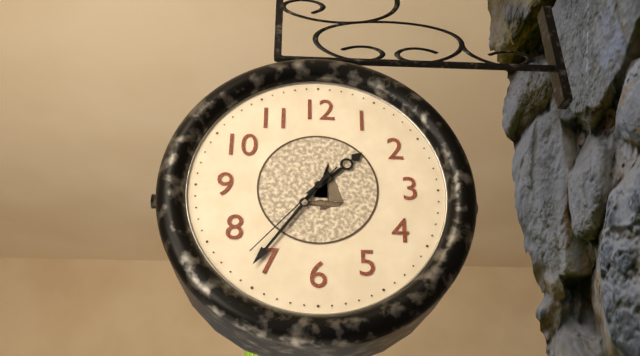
h=1 m=36 s=37
